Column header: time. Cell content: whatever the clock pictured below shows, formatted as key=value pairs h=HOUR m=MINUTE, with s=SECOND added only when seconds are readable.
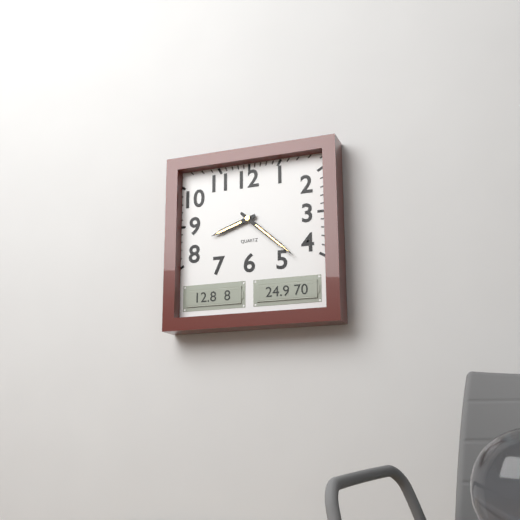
h=8 m=22
